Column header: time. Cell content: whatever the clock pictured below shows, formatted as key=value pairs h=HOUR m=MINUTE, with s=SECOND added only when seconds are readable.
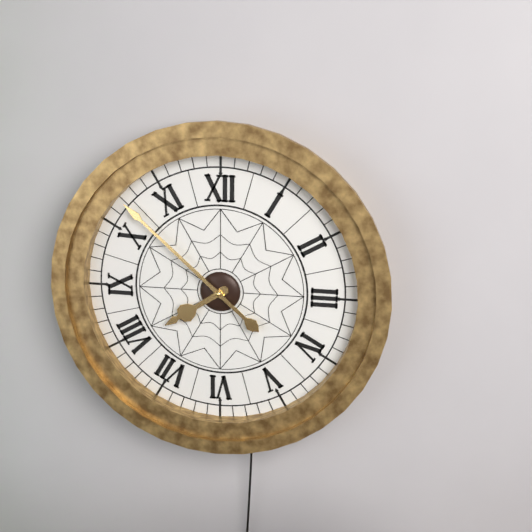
h=7 m=52
